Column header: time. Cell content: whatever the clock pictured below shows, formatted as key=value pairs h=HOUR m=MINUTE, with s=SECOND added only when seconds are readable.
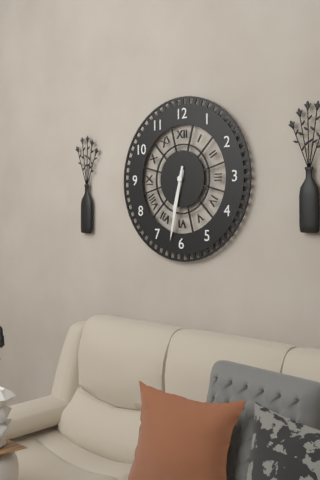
h=6 m=32
